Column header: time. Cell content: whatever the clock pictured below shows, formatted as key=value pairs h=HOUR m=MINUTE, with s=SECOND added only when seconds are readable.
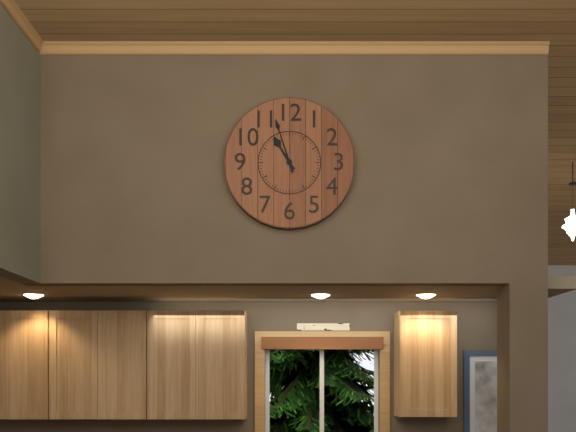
h=10 m=57
